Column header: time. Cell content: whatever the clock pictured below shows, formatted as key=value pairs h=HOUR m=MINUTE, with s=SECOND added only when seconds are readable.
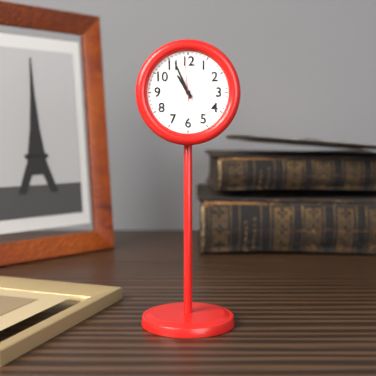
h=10 m=56
